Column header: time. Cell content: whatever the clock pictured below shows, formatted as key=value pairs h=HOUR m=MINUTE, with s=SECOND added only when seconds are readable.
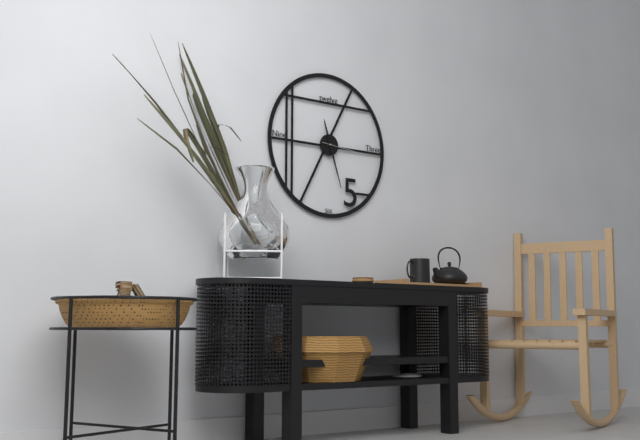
h=11 m=27
